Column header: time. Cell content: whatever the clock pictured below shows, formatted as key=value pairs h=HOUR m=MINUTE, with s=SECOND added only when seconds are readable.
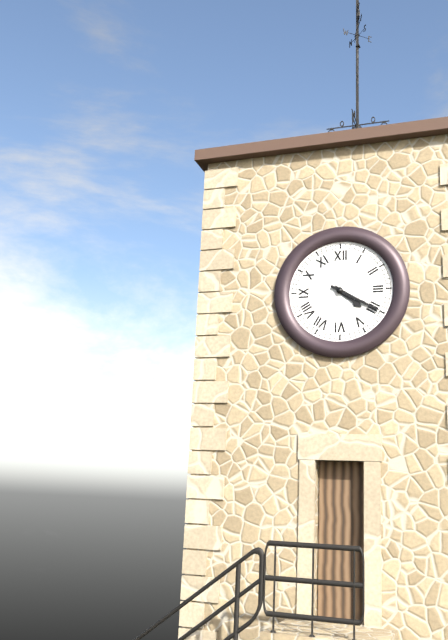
h=4 m=20
